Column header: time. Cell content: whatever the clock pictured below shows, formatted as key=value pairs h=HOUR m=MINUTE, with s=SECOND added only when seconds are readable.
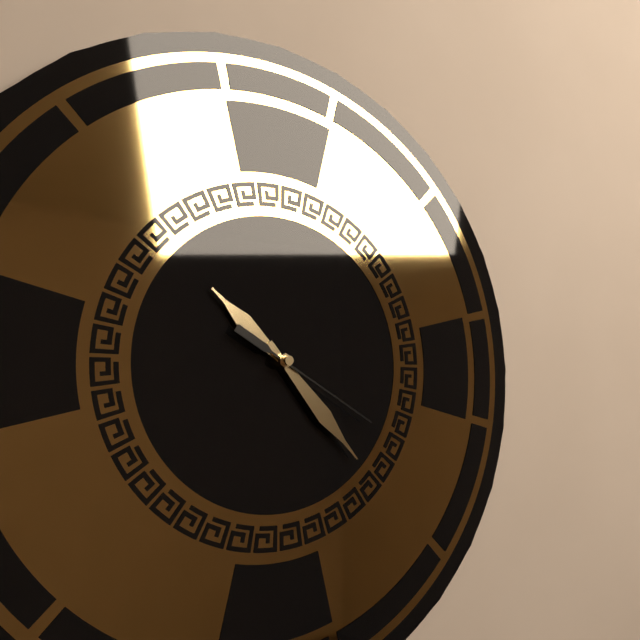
h=10 m=23 s=20
